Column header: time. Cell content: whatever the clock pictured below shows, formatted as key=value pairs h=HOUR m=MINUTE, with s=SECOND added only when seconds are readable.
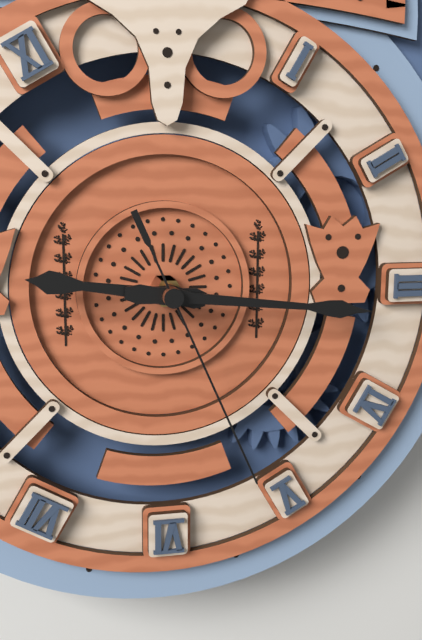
h=9 m=16 s=26
